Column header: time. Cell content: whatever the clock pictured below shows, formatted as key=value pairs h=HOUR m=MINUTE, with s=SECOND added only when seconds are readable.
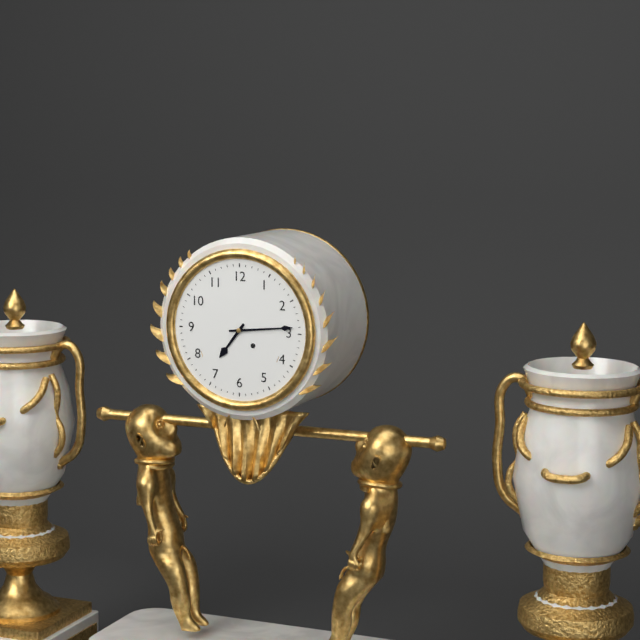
h=7 m=14
